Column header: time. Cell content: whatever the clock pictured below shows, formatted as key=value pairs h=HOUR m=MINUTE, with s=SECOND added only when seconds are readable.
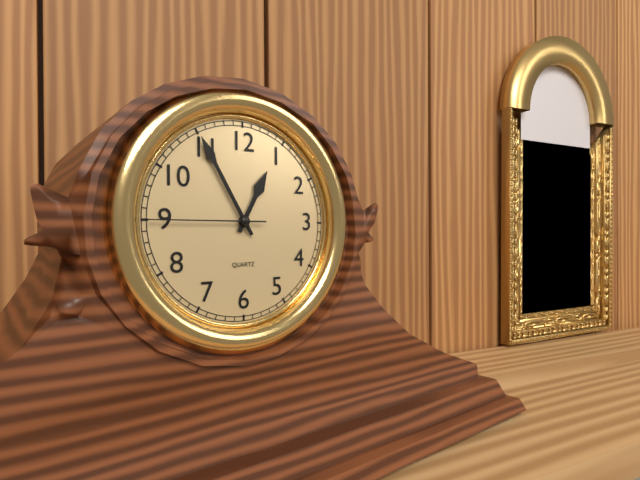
h=12 m=55 s=45
